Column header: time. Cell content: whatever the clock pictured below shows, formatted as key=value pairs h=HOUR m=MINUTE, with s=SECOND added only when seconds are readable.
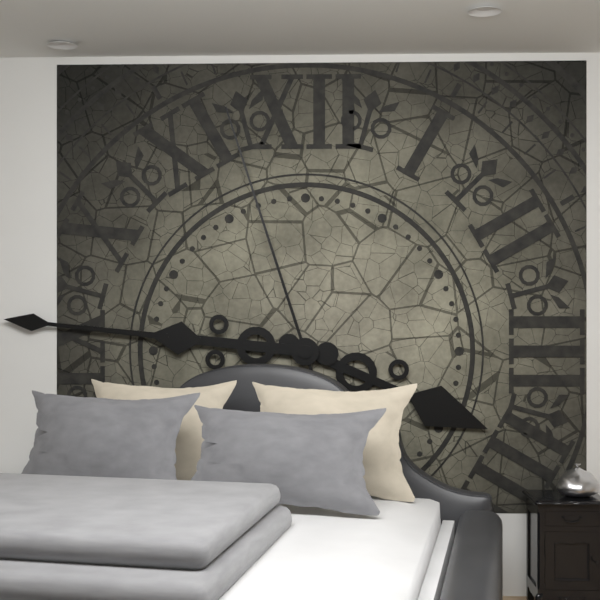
h=3 m=46 s=57
